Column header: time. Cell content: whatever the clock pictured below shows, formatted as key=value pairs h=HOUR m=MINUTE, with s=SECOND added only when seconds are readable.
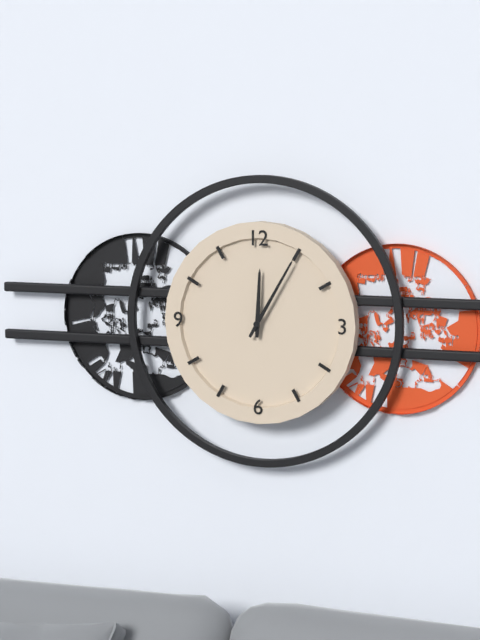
h=12 m=5
